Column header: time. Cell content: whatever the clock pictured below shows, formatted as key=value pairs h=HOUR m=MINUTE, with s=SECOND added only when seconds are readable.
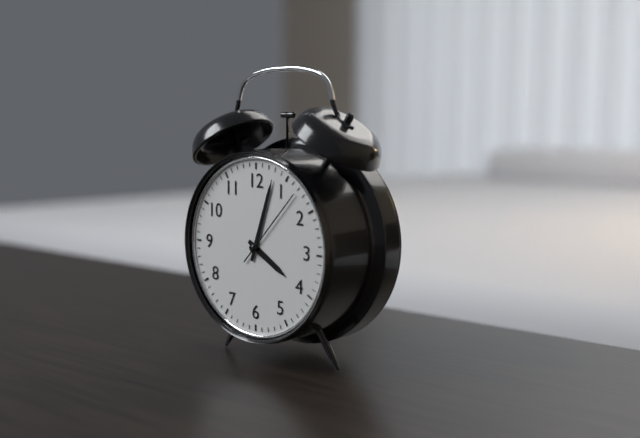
h=4 m=3 s=7
